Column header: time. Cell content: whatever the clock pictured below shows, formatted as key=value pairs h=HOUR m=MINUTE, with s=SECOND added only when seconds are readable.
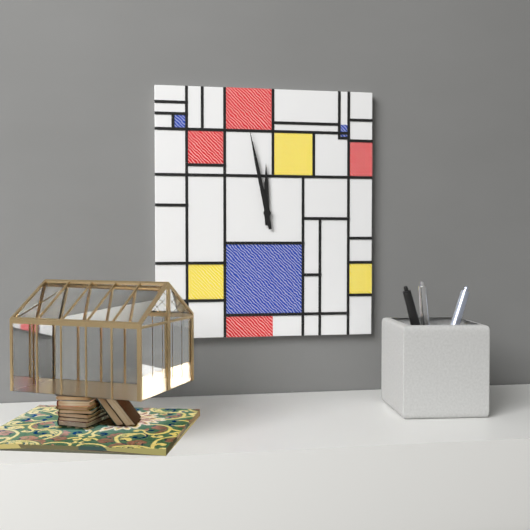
h=11 m=58
